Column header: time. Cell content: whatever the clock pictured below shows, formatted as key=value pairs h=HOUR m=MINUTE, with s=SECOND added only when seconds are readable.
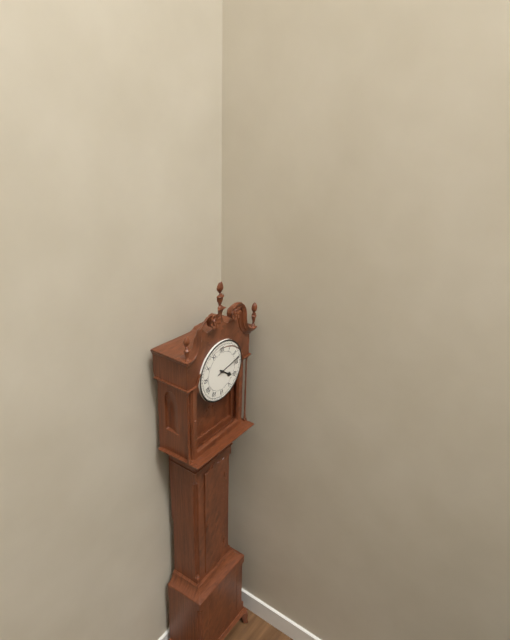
h=4 m=13
